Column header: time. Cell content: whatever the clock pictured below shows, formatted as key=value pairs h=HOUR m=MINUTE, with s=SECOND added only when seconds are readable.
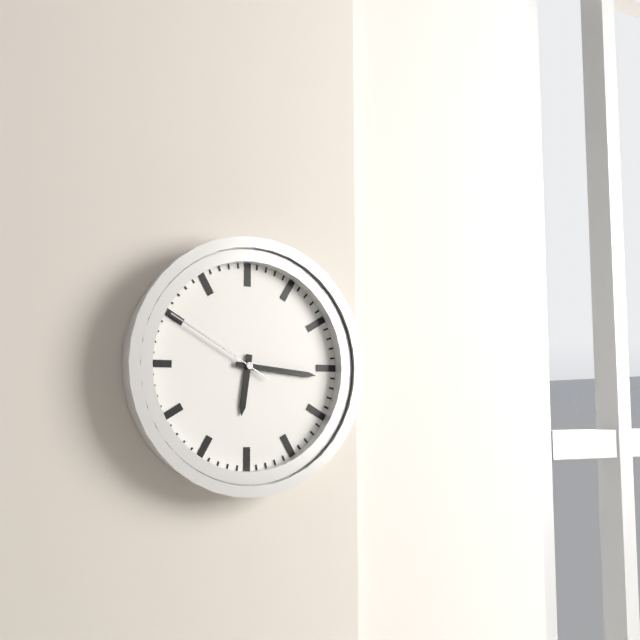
h=6 m=16 s=50
